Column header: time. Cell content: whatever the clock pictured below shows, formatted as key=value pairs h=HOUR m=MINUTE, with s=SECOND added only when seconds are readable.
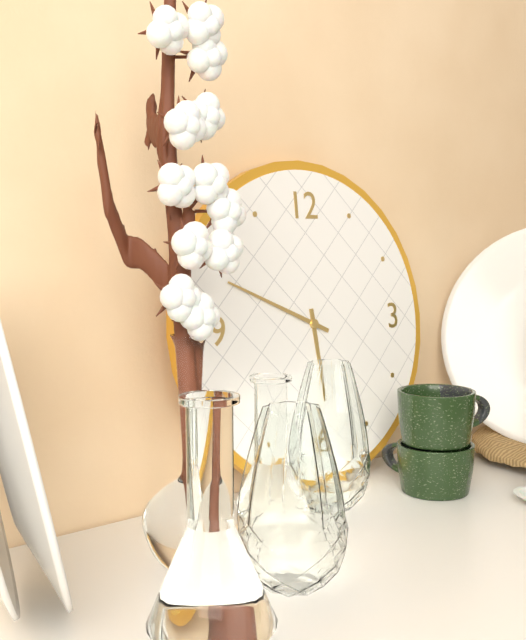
h=5 m=49
